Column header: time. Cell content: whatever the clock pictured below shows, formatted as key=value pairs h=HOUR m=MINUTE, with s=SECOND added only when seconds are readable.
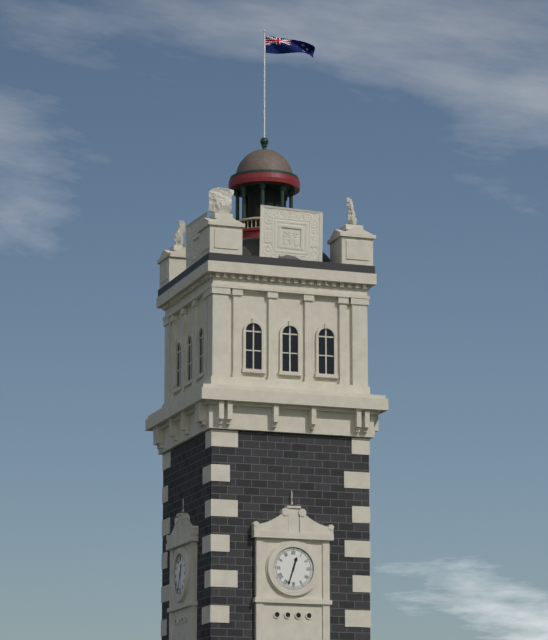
h=12 m=33
